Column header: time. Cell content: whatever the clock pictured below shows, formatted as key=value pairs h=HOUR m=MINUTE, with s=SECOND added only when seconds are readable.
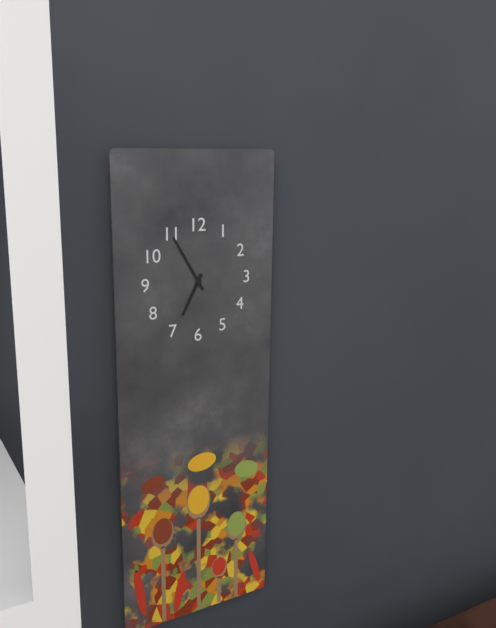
h=6 m=55
